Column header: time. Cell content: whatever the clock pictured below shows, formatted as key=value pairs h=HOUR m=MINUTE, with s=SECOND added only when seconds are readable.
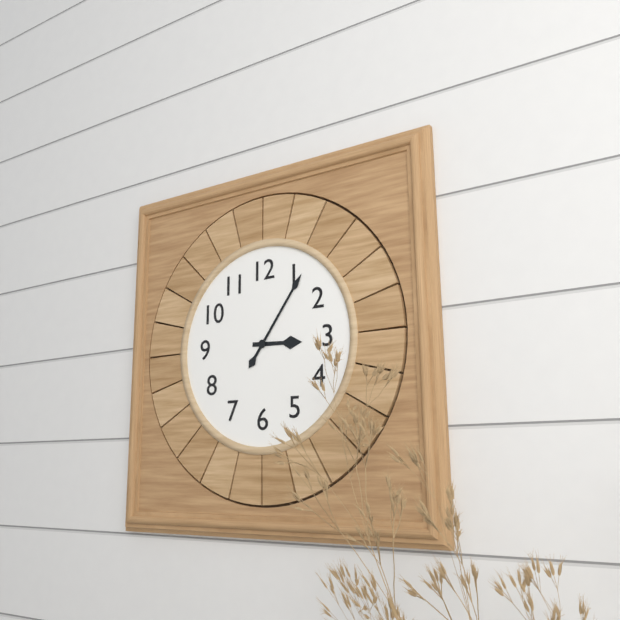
h=3 m=6
